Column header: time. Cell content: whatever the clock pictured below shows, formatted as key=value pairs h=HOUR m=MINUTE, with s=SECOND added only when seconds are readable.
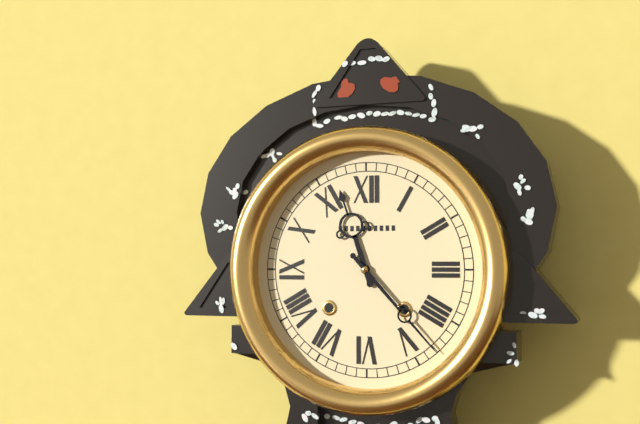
h=11 m=23
